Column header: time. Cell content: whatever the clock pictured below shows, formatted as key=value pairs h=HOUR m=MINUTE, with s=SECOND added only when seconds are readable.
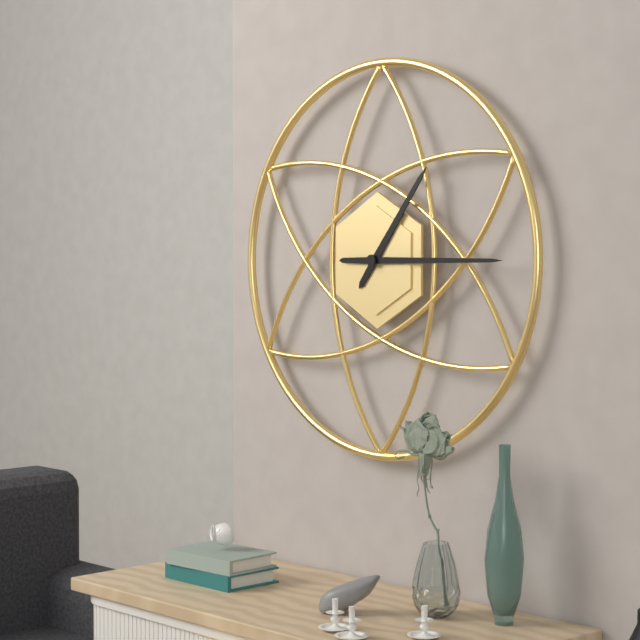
h=1 m=15
